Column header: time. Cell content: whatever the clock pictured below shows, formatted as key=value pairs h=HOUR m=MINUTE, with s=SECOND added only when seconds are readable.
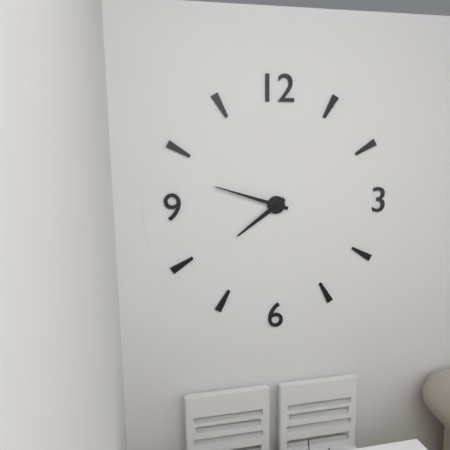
h=7 m=48
